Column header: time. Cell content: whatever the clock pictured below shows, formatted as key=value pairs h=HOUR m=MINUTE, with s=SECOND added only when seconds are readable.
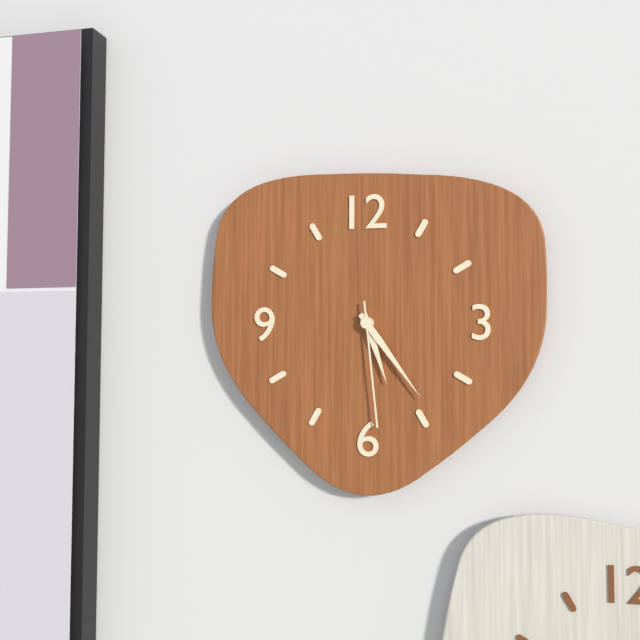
h=5 m=24 s=29
